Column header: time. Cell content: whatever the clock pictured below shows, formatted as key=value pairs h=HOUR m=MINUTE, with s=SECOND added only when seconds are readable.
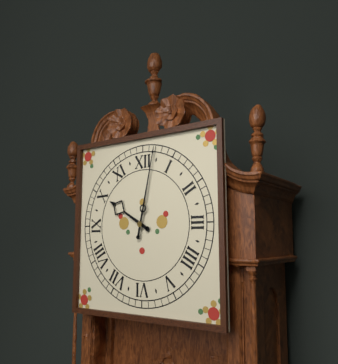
h=10 m=2
